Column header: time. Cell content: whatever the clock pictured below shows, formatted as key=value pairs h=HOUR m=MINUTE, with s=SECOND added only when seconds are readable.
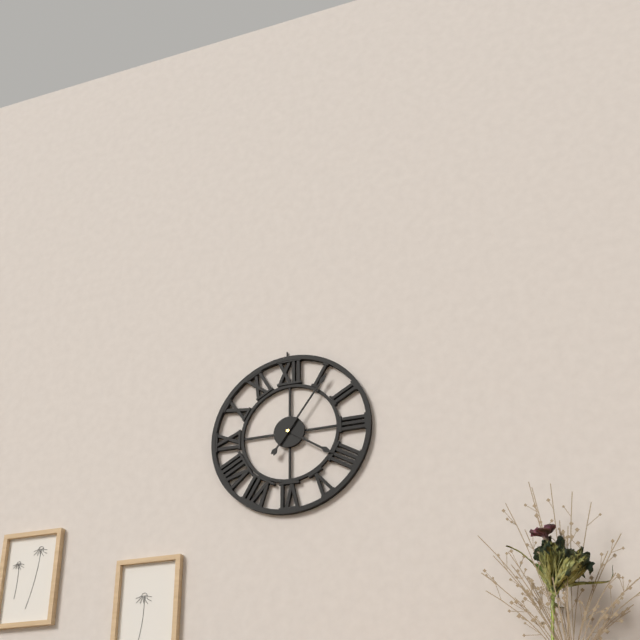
h=4 m=6
